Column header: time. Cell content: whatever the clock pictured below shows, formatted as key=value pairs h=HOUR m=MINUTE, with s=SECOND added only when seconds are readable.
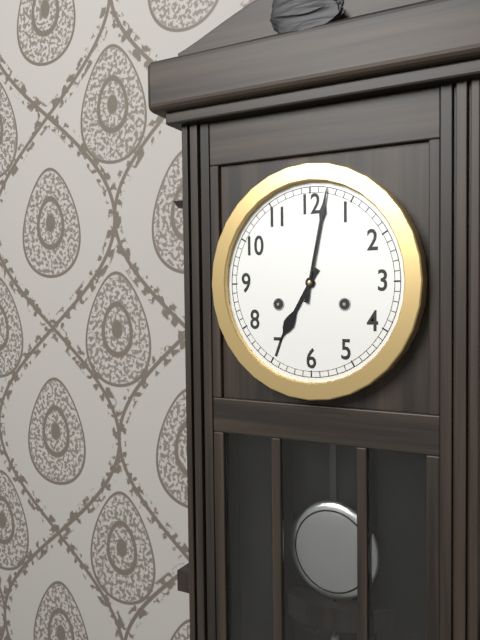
h=7 m=2
